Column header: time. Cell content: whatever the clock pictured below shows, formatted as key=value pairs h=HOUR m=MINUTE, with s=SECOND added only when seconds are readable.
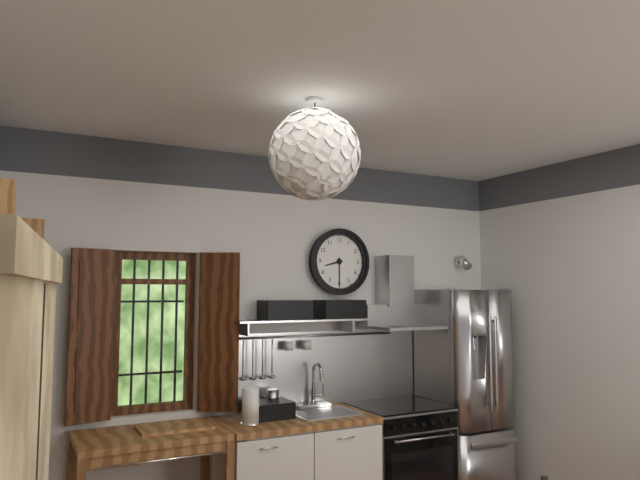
h=8 m=30
